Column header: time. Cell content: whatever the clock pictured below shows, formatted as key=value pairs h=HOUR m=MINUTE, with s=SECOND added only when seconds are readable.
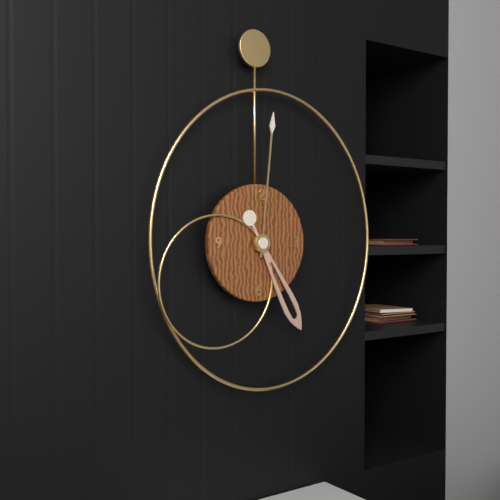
h=5 m=1
